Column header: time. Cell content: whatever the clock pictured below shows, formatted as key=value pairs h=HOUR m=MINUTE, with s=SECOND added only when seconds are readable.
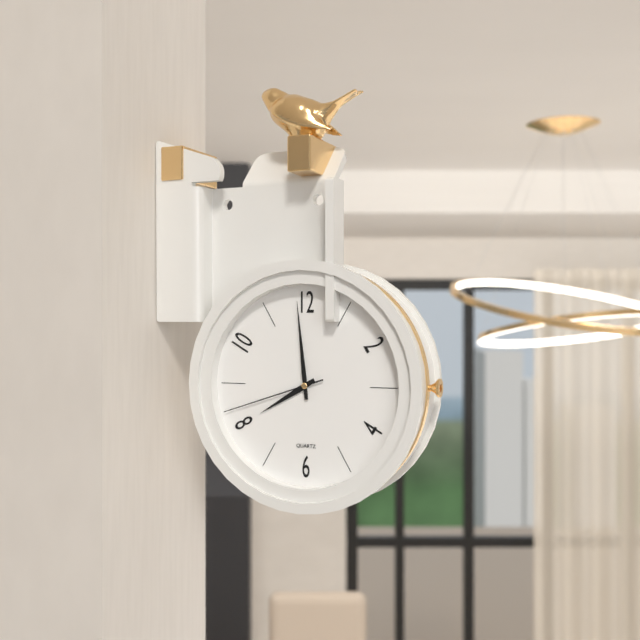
h=7 m=59 s=42
